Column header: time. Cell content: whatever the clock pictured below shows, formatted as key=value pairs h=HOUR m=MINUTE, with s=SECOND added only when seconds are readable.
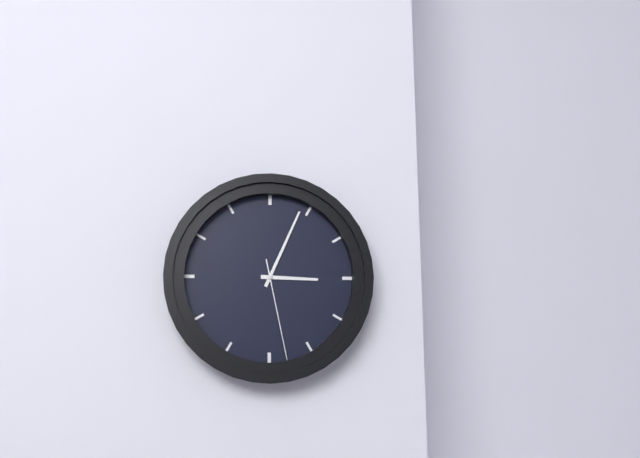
h=3 m=4 s=28
